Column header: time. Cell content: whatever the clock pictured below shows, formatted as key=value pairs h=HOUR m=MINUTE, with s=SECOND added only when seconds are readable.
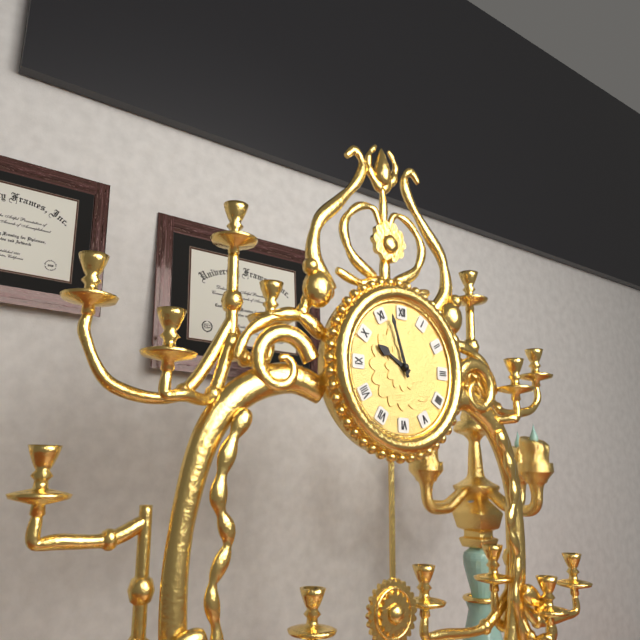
h=9 m=57
